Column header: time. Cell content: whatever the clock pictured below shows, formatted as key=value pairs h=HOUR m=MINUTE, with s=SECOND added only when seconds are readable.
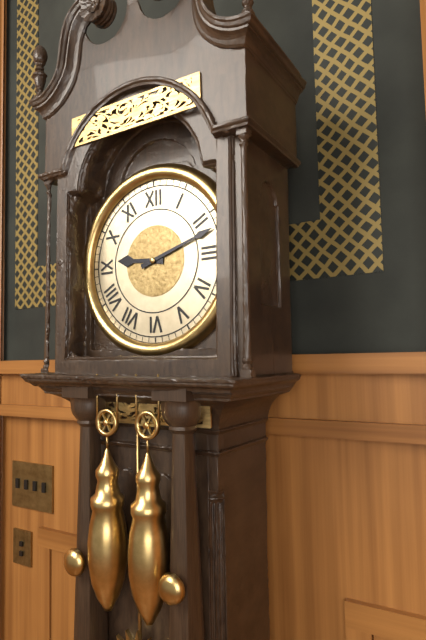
h=9 m=12
